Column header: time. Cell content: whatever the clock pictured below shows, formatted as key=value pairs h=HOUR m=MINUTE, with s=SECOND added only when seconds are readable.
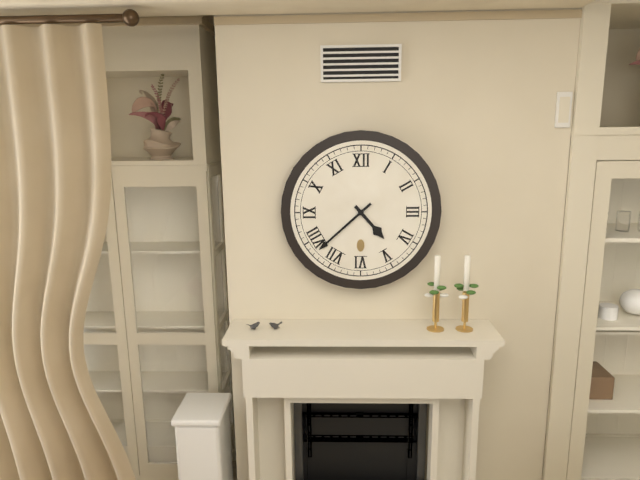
h=4 m=38
